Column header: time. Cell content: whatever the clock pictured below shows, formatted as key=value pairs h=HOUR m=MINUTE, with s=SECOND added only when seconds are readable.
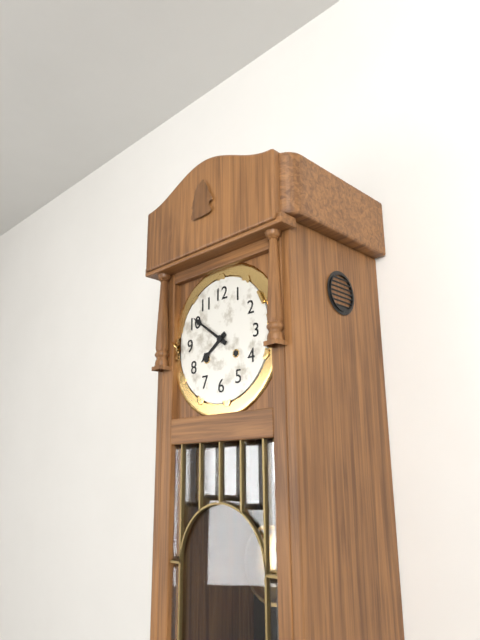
h=7 m=51
